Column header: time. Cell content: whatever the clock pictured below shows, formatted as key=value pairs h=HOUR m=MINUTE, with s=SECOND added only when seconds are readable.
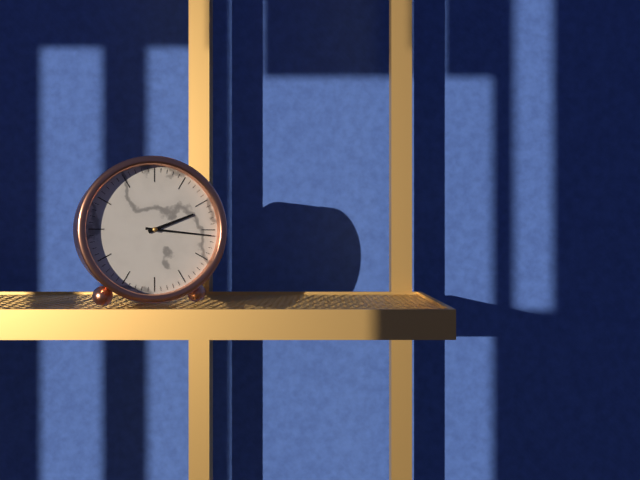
h=2 m=16
